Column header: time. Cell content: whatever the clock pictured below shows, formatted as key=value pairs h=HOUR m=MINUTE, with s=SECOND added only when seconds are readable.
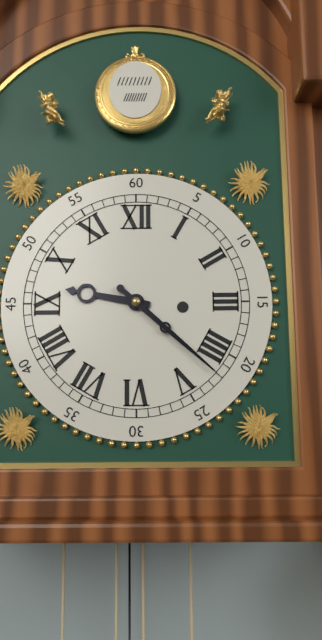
h=9 m=22
